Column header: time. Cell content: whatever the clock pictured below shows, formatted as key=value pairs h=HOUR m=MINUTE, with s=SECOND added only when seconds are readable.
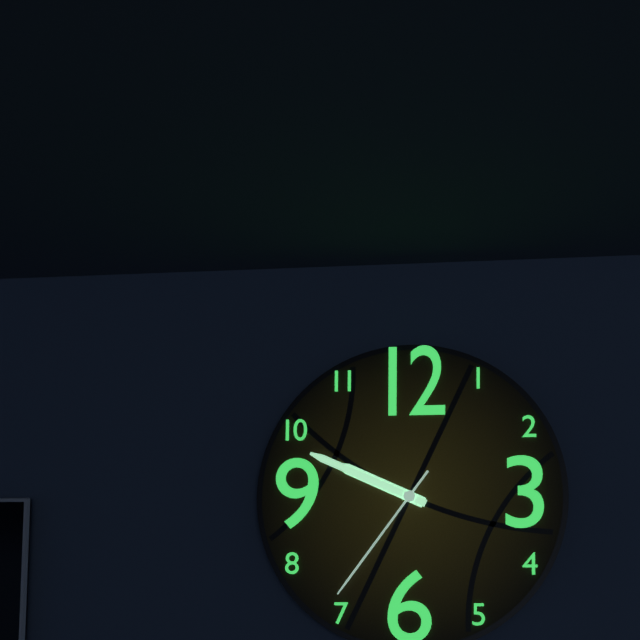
h=9 m=49 s=36
